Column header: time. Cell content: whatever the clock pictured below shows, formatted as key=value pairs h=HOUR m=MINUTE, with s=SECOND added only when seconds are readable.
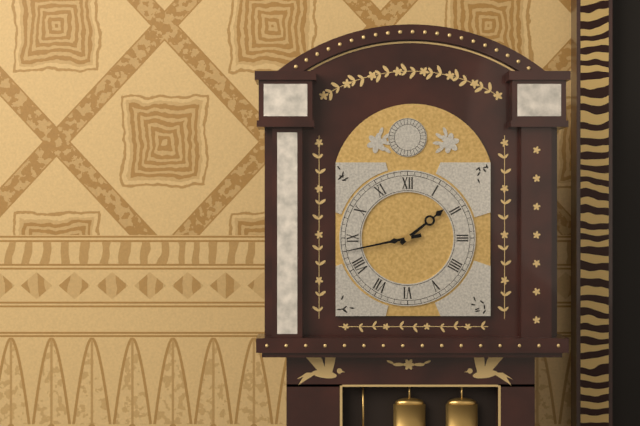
h=1 m=43
